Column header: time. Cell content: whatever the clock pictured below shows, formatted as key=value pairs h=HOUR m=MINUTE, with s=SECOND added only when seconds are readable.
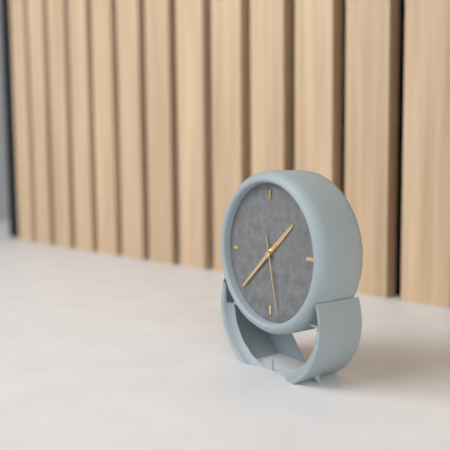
h=1 m=38 s=28
